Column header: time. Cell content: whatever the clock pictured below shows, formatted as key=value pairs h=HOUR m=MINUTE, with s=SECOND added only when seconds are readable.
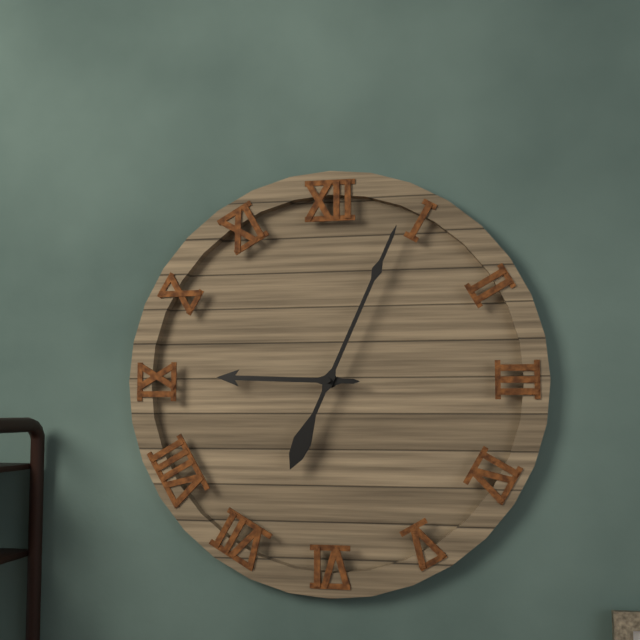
h=9 m=4
